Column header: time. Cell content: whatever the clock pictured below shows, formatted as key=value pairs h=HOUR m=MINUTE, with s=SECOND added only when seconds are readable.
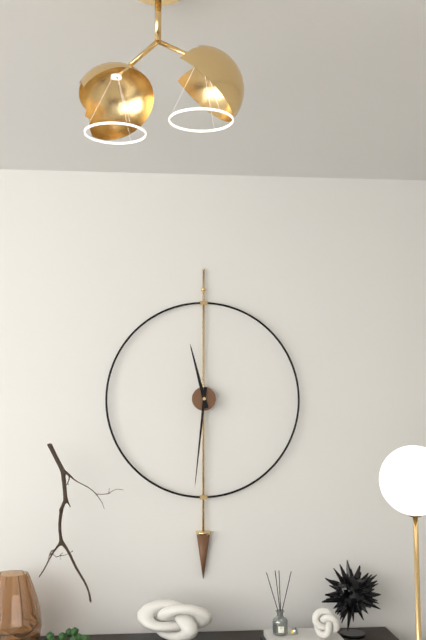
h=11 m=31
